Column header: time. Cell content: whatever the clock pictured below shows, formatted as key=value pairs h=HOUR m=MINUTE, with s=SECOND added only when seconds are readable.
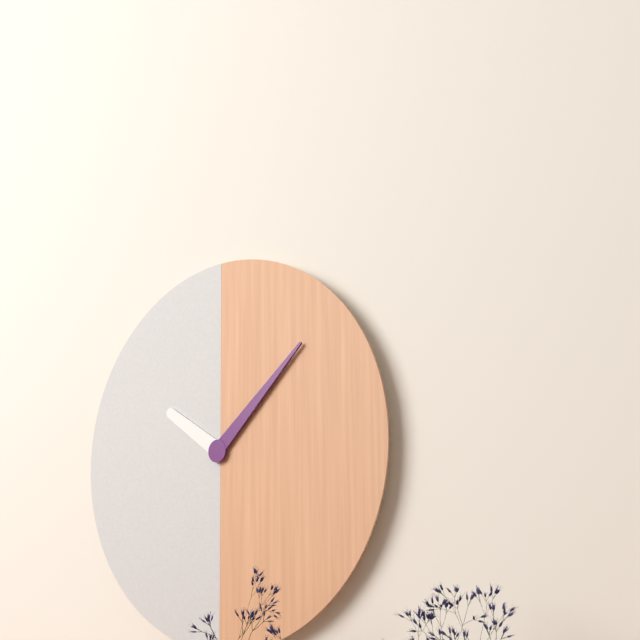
h=10 m=8
